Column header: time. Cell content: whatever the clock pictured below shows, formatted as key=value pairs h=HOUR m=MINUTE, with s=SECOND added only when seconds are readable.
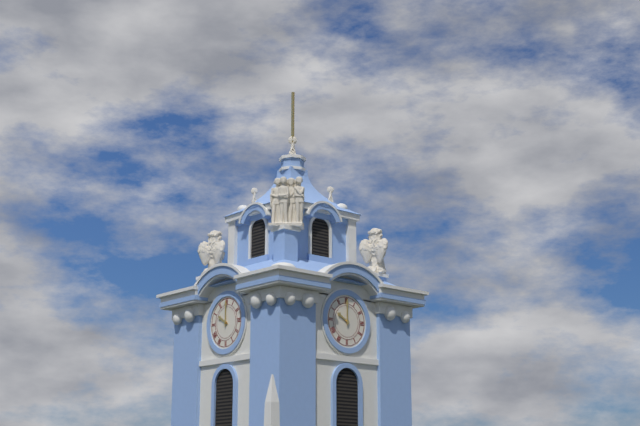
h=10 m=0
